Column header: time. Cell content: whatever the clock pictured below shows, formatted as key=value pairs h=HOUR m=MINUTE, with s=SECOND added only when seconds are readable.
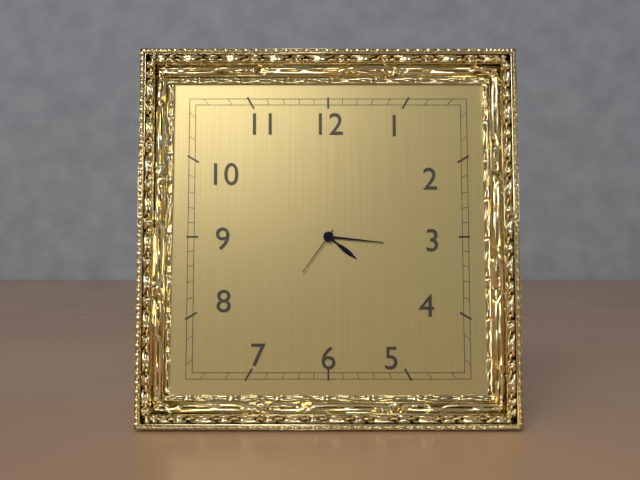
h=4 m=16 s=36
